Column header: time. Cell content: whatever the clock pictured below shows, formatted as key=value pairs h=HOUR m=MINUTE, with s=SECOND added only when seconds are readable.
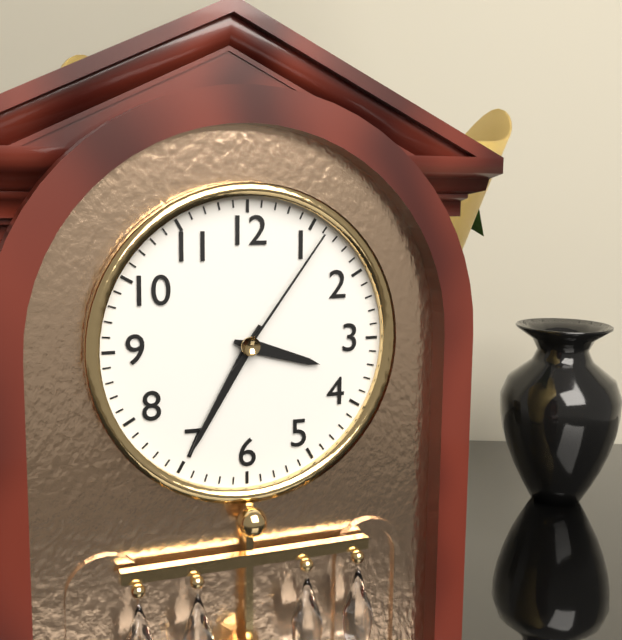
h=3 m=35 s=6
